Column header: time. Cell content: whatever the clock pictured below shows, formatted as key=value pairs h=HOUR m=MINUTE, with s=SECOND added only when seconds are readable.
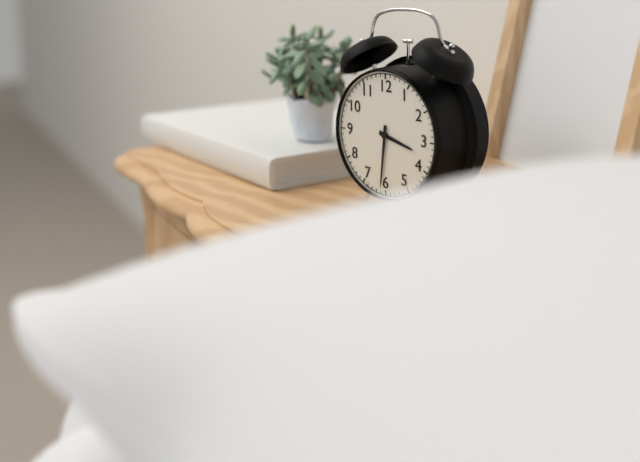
h=3 m=31
